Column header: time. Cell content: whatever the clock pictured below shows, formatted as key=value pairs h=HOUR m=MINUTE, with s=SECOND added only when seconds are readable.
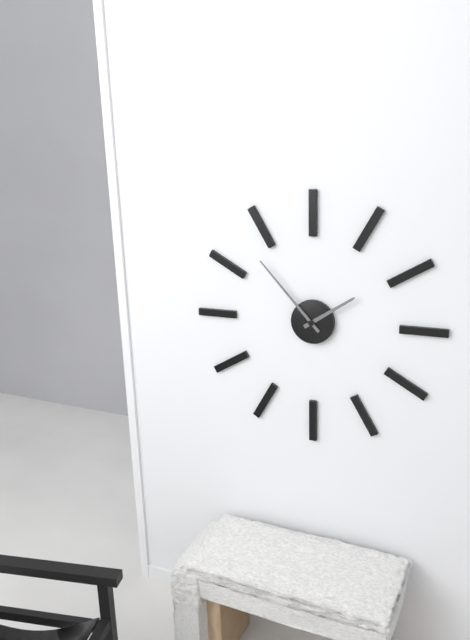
h=1 m=53
